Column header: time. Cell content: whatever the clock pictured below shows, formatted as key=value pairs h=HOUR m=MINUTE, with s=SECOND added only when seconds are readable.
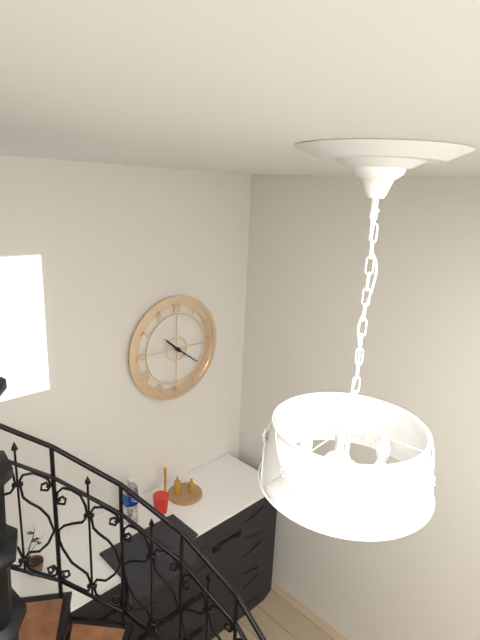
h=10 m=21
